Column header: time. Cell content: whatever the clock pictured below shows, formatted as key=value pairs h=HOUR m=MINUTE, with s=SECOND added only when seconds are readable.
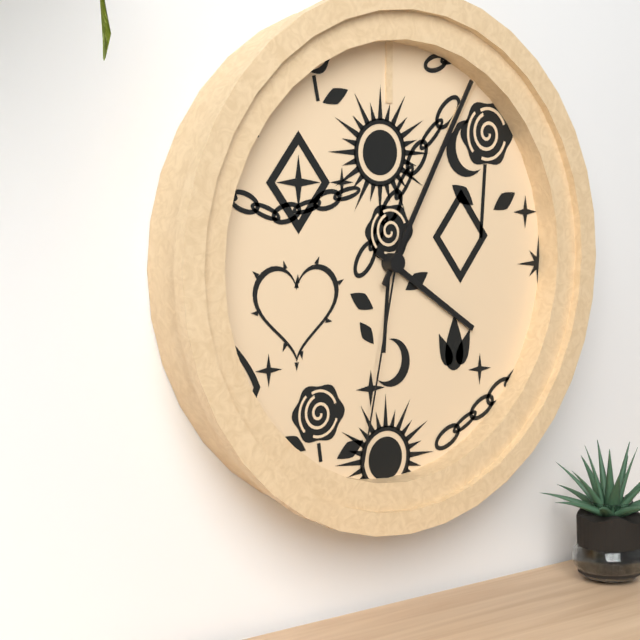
h=4 m=5 s=32
